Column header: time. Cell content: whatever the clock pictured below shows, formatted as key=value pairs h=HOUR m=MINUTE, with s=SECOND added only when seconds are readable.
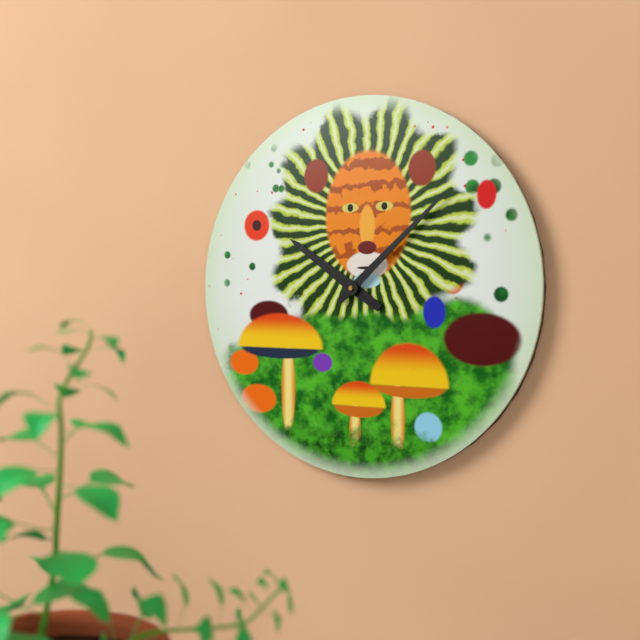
h=10 m=8
